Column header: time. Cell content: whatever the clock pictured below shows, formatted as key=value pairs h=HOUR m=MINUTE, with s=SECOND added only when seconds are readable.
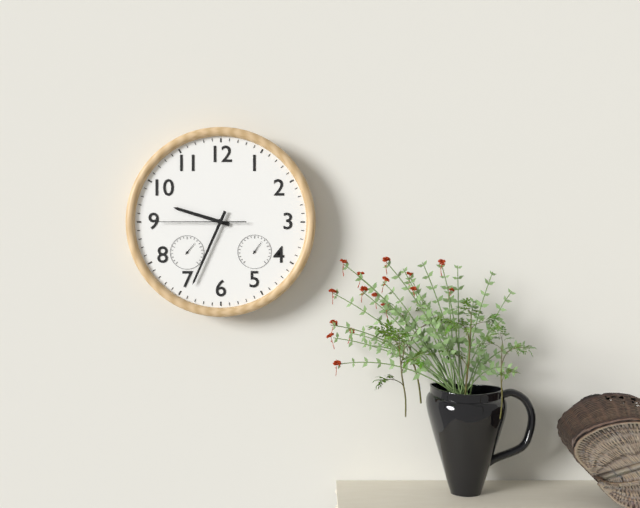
h=9 m=34 s=45
